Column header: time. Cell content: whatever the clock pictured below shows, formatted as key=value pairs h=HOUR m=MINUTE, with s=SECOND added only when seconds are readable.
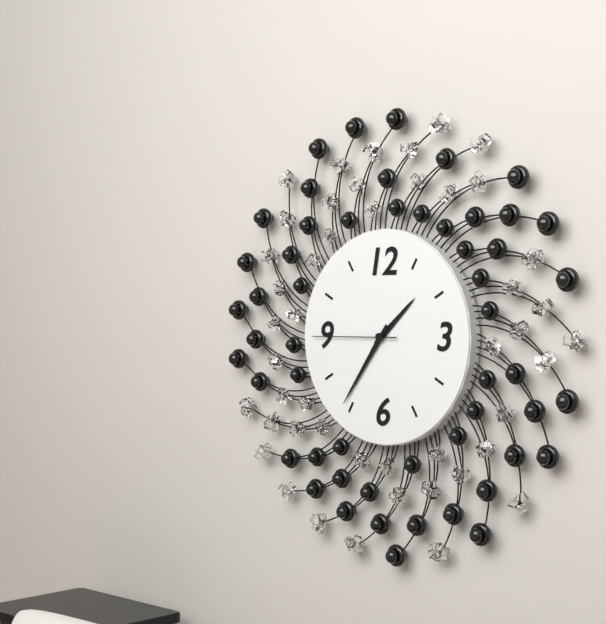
h=1 m=36 s=45
